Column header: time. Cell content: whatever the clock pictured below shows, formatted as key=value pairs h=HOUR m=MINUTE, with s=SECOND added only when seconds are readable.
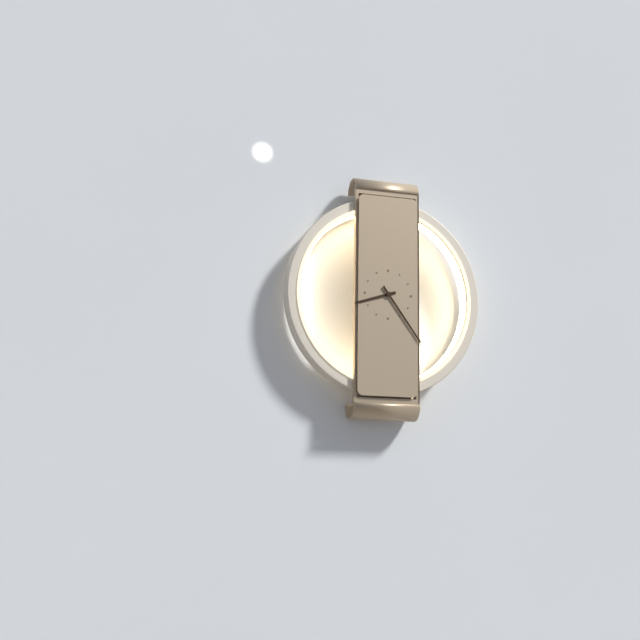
h=8 m=24
